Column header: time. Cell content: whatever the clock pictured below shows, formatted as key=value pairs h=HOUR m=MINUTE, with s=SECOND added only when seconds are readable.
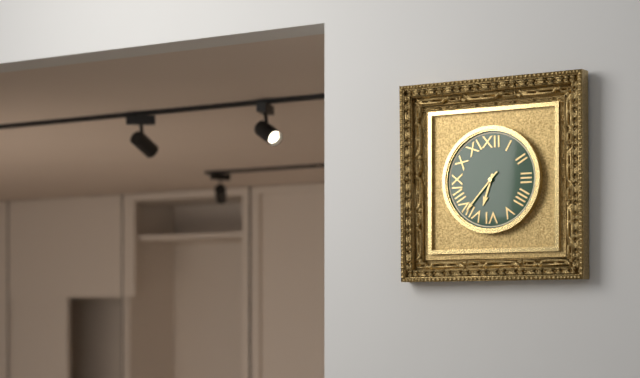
h=6 m=37
